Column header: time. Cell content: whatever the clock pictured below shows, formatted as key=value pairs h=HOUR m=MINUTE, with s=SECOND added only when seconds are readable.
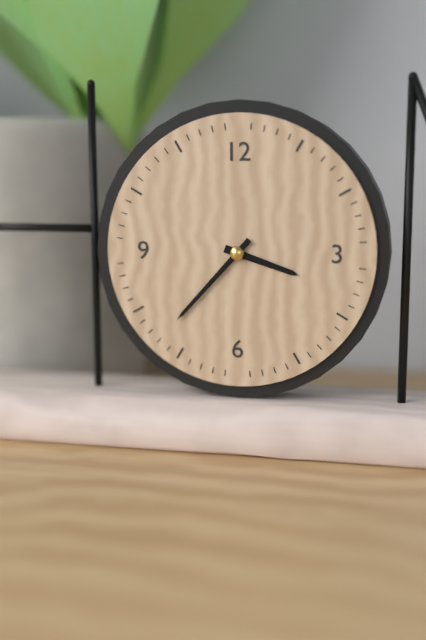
h=3 m=37
